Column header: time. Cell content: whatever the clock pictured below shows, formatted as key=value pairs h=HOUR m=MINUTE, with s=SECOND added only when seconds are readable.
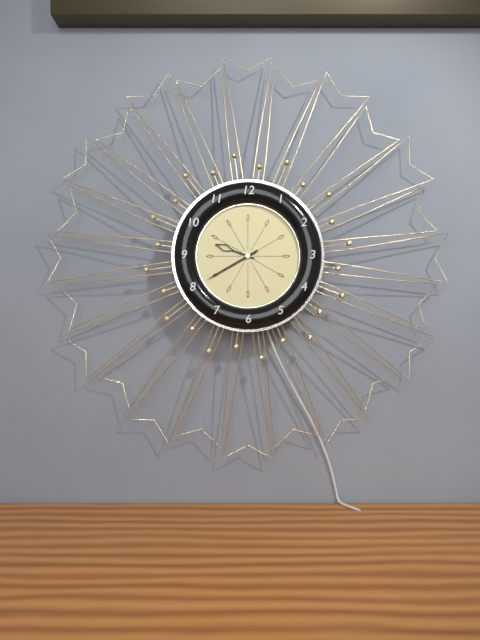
h=9 m=40
